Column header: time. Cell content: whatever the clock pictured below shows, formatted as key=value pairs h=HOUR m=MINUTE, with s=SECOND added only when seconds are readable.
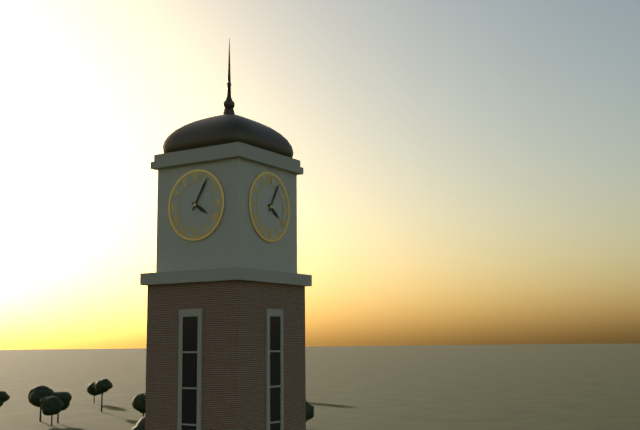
h=4 m=5
